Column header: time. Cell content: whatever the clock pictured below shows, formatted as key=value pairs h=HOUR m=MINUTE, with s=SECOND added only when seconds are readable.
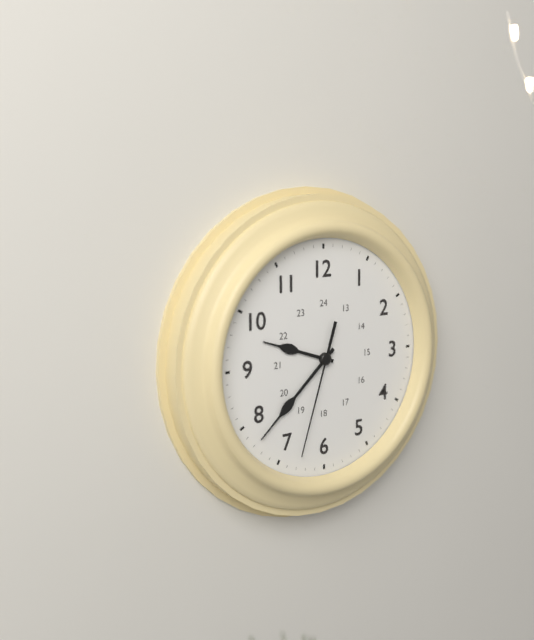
h=9 m=38 s=33
